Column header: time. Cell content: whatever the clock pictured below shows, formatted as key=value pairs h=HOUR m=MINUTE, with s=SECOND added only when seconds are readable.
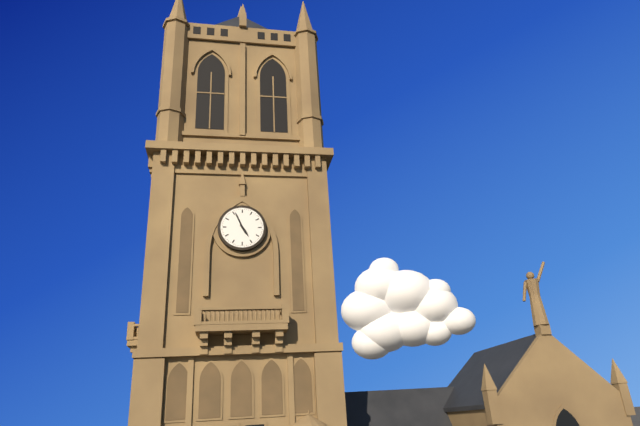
h=4 m=56
